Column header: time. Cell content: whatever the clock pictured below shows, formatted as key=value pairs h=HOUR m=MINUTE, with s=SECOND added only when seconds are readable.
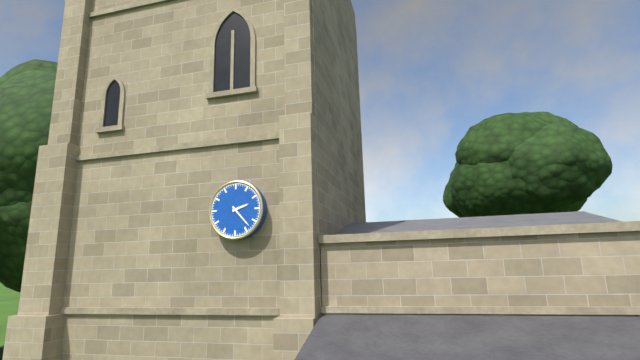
h=2 m=23
